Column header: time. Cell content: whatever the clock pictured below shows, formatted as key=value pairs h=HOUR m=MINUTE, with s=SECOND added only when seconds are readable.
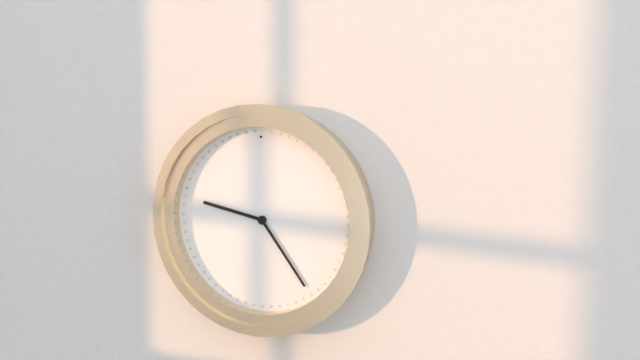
h=9 m=24
